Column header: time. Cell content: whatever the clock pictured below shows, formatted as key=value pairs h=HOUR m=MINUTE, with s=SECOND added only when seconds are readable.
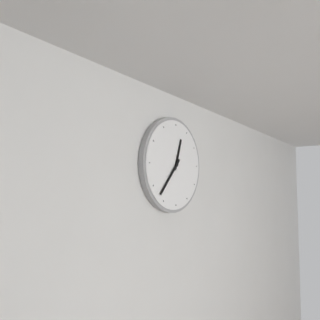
h=12 m=37
